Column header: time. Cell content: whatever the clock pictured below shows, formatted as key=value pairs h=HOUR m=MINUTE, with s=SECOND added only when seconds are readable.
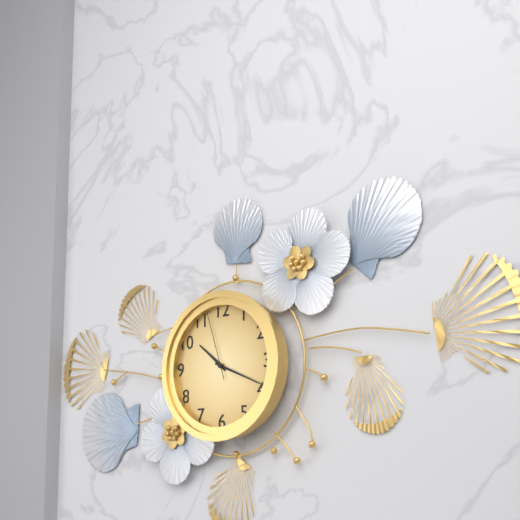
h=10 m=19 s=57
